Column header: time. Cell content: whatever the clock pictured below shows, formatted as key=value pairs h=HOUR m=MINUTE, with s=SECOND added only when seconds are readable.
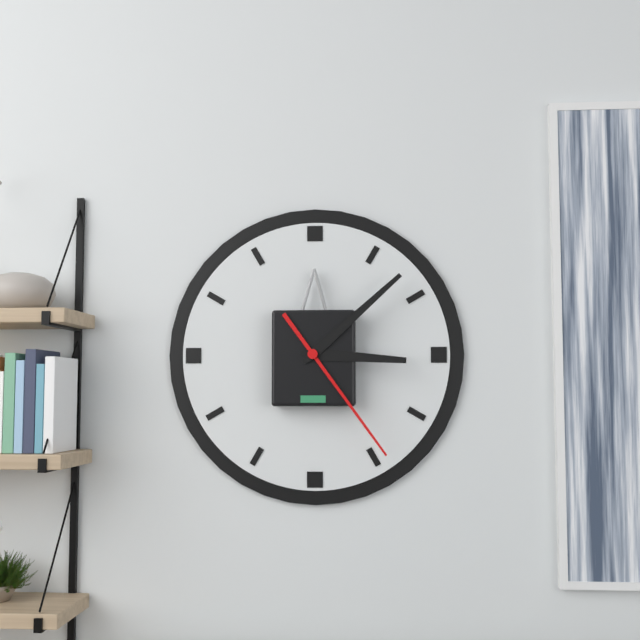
h=3 m=8 s=24
